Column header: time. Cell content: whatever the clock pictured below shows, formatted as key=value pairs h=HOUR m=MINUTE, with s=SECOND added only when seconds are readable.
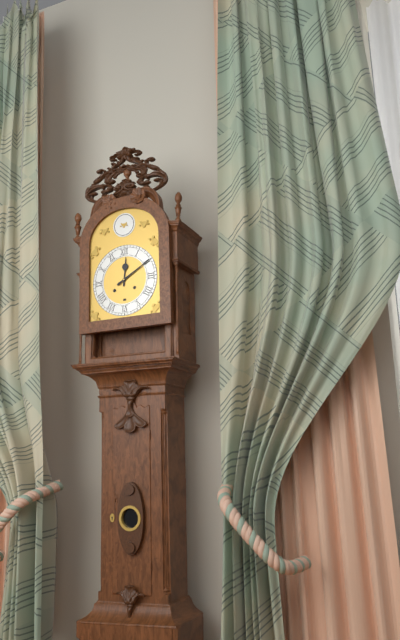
h=12 m=10
